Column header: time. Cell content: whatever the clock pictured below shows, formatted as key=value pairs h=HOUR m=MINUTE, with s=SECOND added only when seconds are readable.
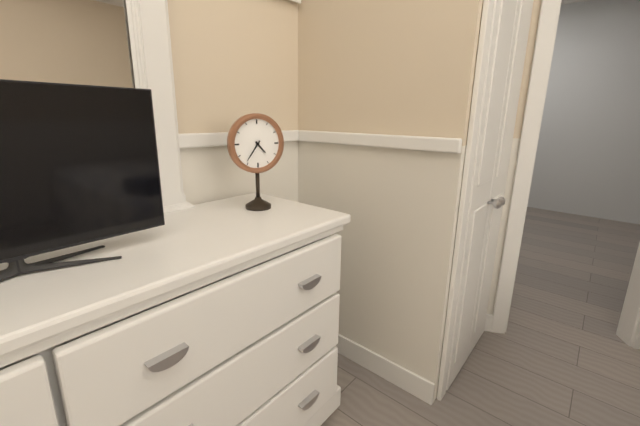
h=4 m=36
